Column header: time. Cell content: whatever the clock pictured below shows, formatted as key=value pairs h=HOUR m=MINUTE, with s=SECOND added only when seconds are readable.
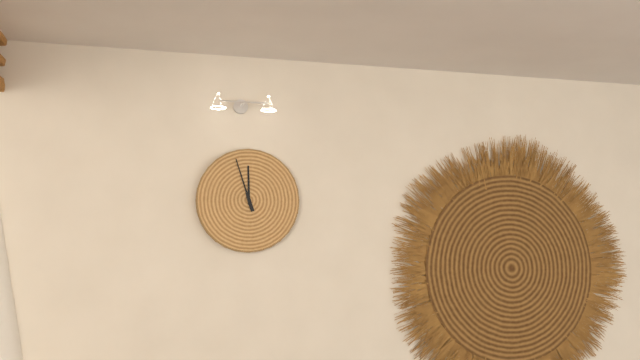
h=11 m=57
